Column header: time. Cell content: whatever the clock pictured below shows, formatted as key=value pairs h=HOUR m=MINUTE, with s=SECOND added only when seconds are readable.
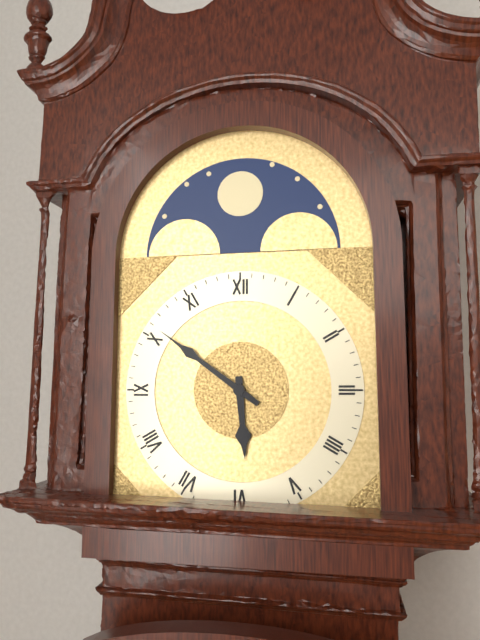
h=5 m=51
